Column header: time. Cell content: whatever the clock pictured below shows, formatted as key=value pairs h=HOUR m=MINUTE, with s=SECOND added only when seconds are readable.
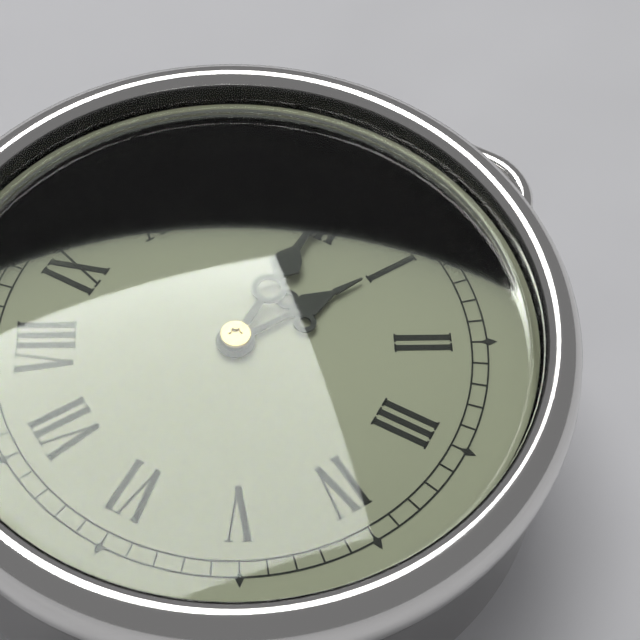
h=1 m=0
